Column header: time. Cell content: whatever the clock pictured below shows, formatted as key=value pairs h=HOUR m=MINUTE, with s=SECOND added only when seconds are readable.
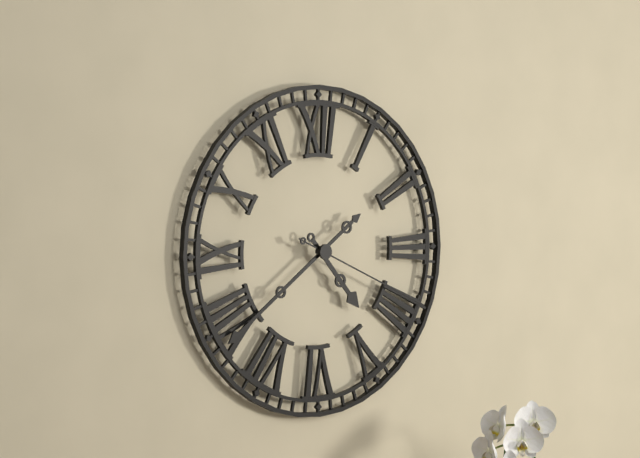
h=4 m=39 s=19
